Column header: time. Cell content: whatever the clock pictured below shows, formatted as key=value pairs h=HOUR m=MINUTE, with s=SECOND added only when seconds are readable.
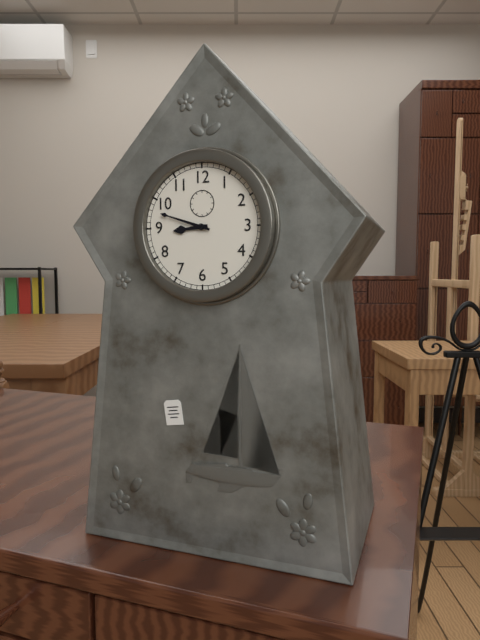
h=8 m=48
